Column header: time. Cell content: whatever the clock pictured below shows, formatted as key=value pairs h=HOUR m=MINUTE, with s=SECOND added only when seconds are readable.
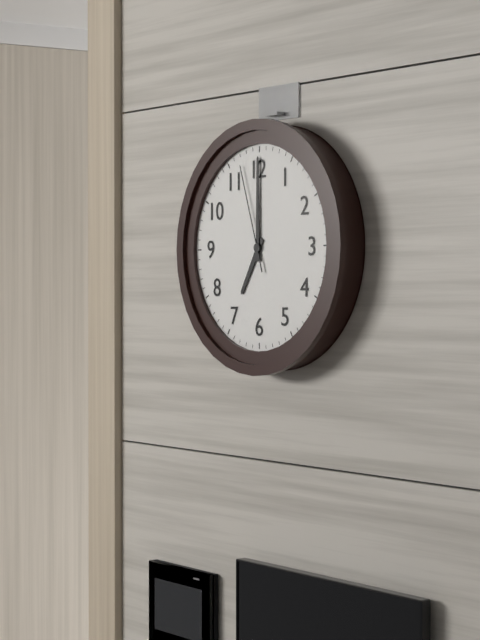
h=7 m=0 s=57
